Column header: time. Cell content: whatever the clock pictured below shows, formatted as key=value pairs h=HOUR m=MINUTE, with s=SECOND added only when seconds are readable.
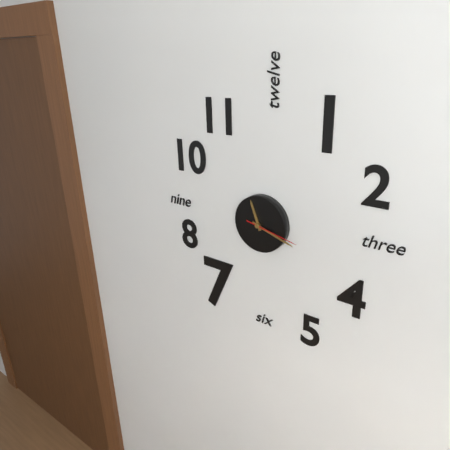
h=11 m=18 s=17
